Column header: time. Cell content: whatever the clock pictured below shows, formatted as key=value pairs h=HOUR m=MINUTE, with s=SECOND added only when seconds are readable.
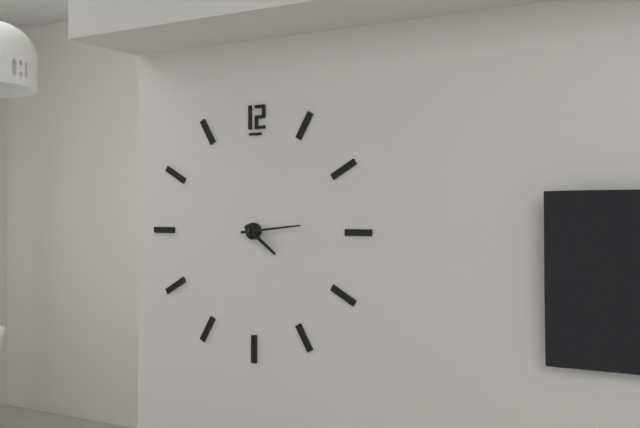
h=4 m=14
